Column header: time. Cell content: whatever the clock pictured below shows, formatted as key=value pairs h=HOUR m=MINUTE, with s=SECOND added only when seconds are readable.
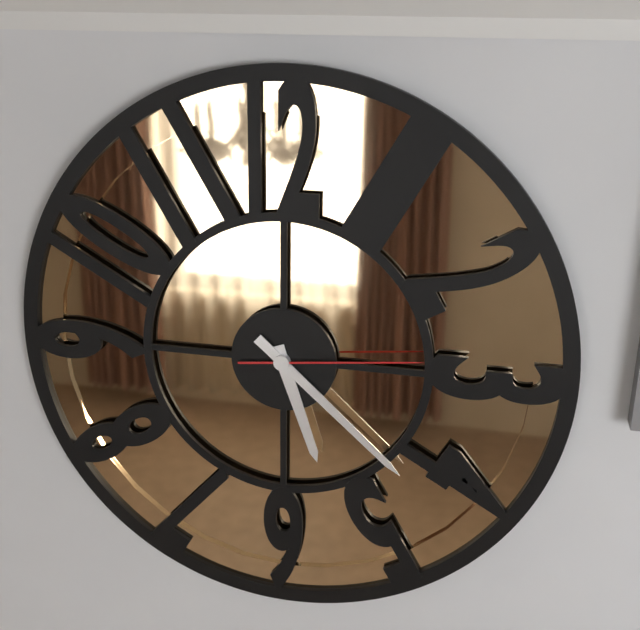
h=5 m=22 s=14
